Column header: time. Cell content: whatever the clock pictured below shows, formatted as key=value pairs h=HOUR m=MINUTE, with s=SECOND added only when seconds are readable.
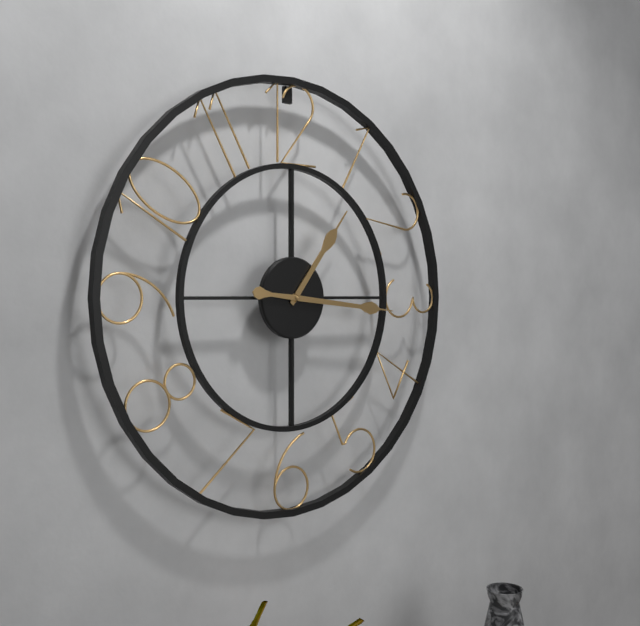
h=1 m=16
